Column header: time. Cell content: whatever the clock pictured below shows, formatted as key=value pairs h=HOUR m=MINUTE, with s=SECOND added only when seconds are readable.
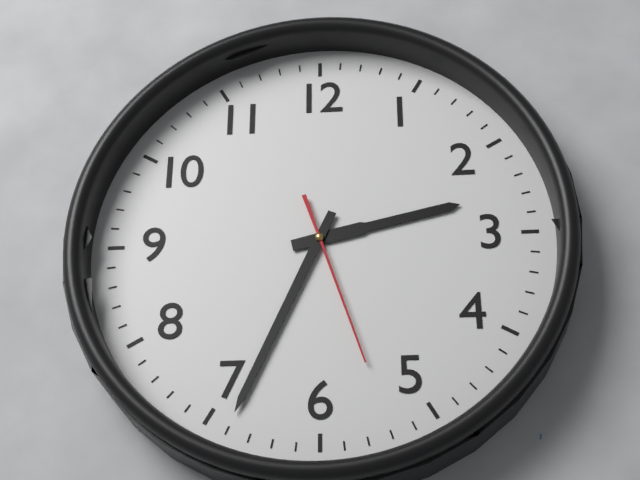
h=2 m=34 s=27
